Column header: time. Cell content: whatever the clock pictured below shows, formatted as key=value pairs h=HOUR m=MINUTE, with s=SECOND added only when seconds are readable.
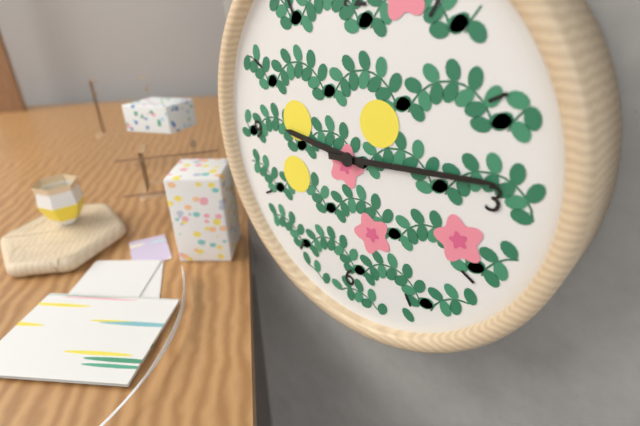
h=9 m=14
